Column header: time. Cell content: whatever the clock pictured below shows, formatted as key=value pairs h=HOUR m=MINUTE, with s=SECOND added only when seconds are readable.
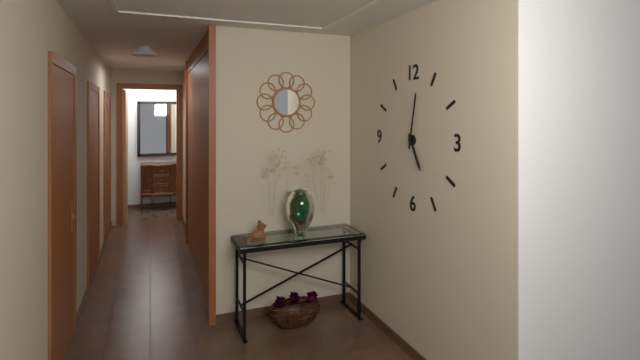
h=5 m=2
